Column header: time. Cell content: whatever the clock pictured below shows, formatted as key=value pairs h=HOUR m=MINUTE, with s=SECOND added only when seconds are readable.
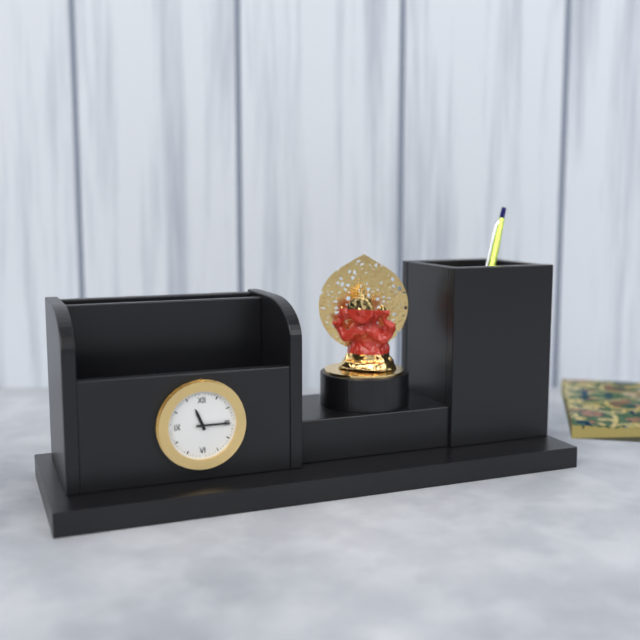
h=11 m=15
